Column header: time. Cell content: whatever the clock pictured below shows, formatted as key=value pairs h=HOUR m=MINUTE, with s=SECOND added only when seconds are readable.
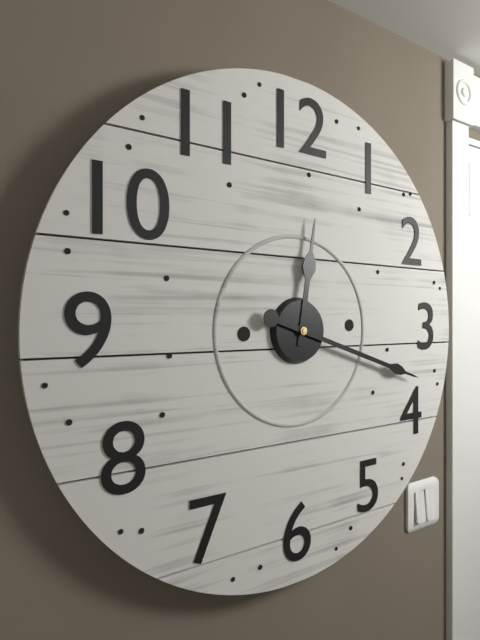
h=12 m=18
